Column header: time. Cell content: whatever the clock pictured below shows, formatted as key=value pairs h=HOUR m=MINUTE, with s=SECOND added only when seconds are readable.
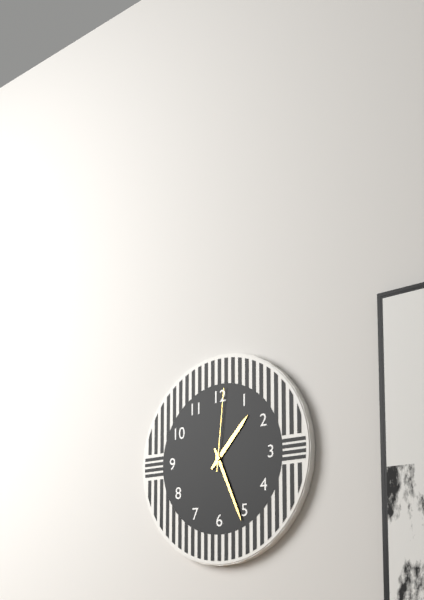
h=1 m=26 s=1
